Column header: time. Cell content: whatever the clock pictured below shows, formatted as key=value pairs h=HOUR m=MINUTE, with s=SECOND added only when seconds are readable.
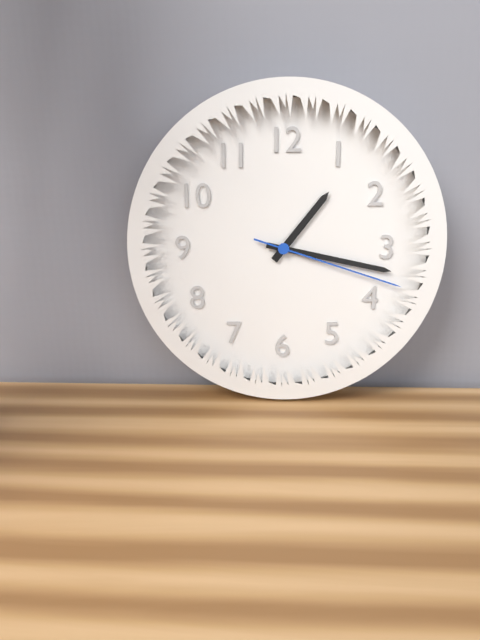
h=1 m=17 s=18
